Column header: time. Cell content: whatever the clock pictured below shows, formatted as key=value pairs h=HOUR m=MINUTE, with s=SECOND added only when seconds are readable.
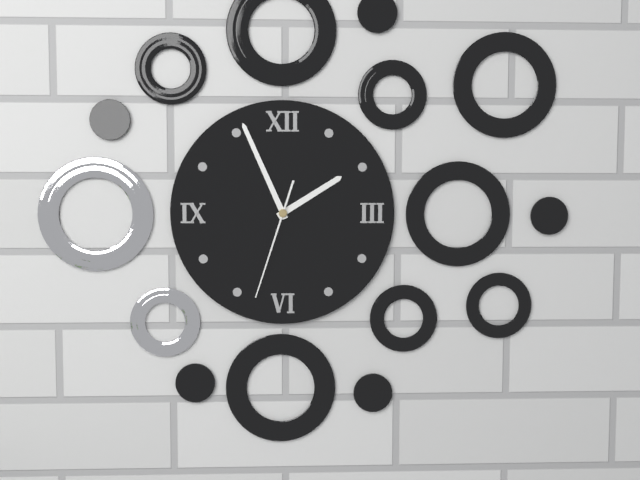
h=1 m=56 s=33
